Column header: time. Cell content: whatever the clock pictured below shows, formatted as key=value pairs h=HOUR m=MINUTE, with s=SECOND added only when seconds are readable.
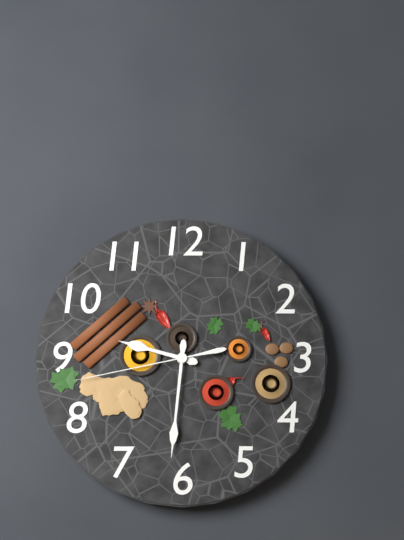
h=9 m=31 s=43
